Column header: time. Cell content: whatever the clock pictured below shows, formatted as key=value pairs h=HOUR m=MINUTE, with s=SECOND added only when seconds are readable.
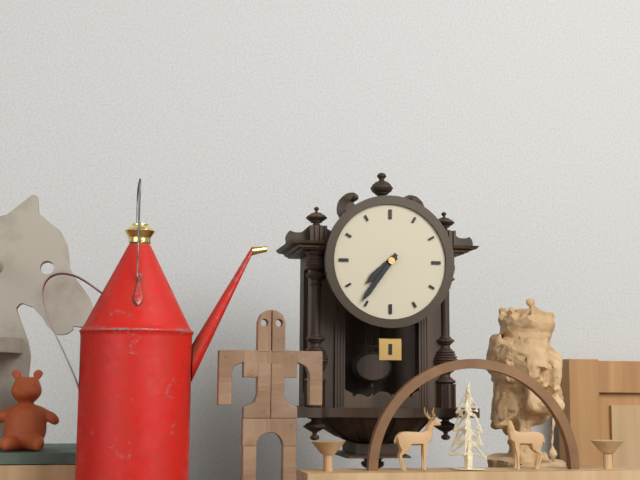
h=7 m=36
